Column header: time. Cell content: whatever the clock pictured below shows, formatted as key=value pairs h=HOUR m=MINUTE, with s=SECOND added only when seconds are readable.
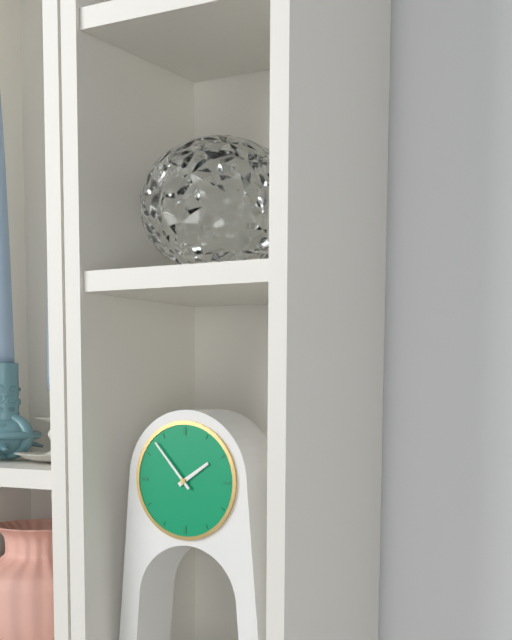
h=1 m=53
